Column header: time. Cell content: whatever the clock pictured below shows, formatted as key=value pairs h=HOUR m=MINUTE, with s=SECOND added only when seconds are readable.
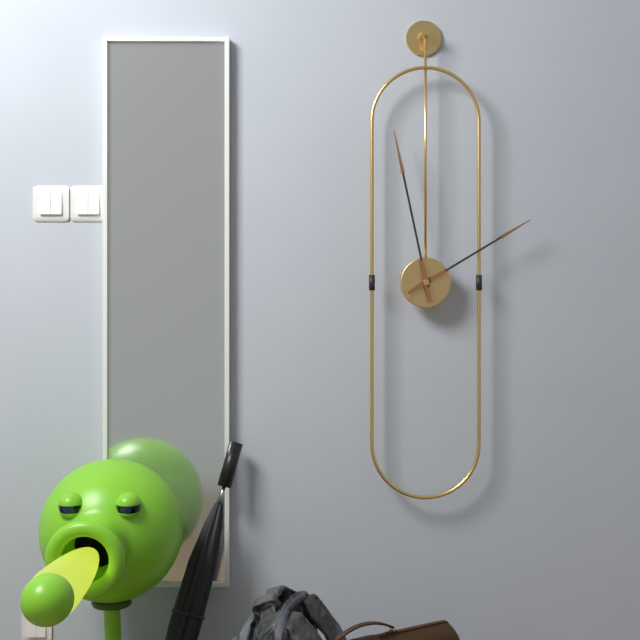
h=1 m=58
